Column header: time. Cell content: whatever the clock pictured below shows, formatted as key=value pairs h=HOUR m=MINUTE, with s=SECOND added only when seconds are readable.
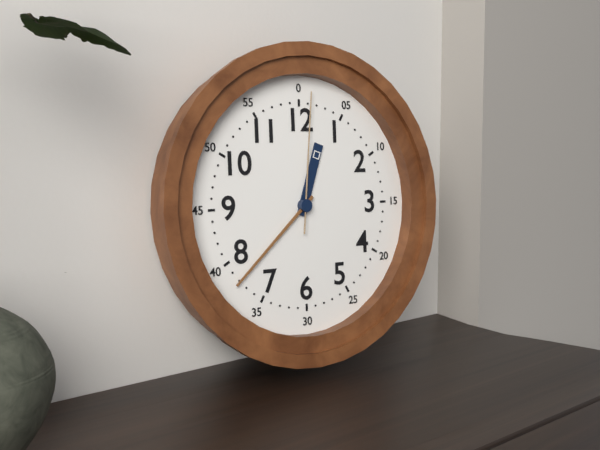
h=12 m=38 s=1
